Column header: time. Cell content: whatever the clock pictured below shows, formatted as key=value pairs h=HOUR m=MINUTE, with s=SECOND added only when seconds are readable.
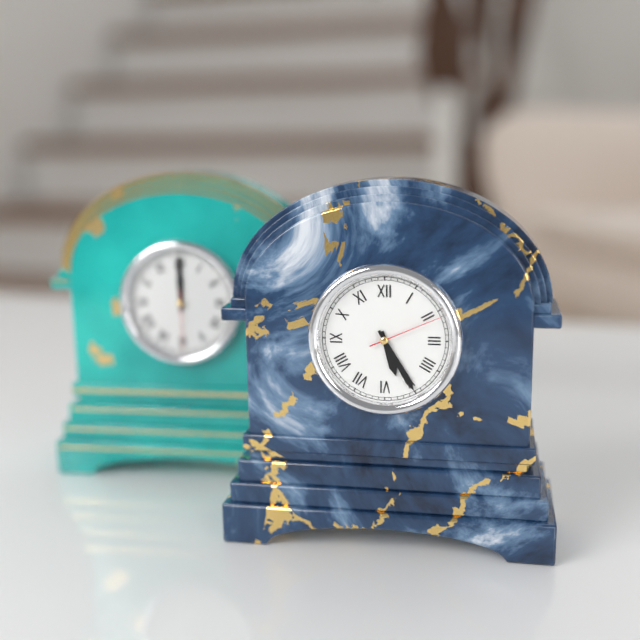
h=5 m=25 s=11
